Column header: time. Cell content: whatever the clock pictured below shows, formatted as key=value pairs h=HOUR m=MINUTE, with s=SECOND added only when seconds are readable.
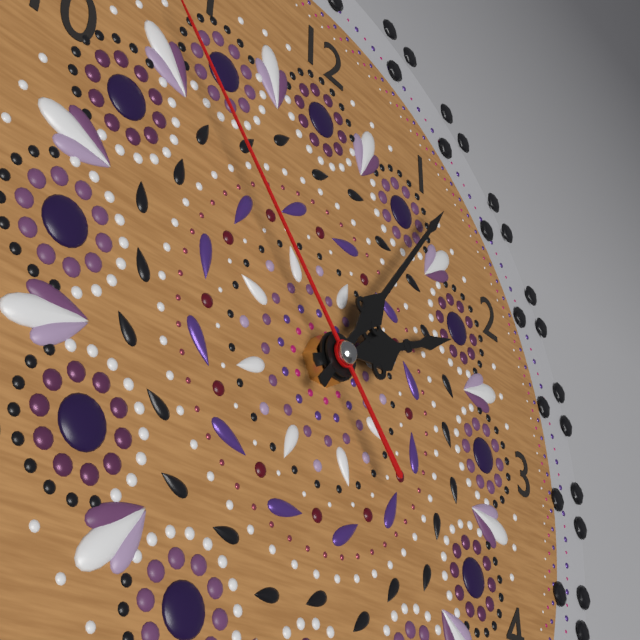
h=2 m=6
